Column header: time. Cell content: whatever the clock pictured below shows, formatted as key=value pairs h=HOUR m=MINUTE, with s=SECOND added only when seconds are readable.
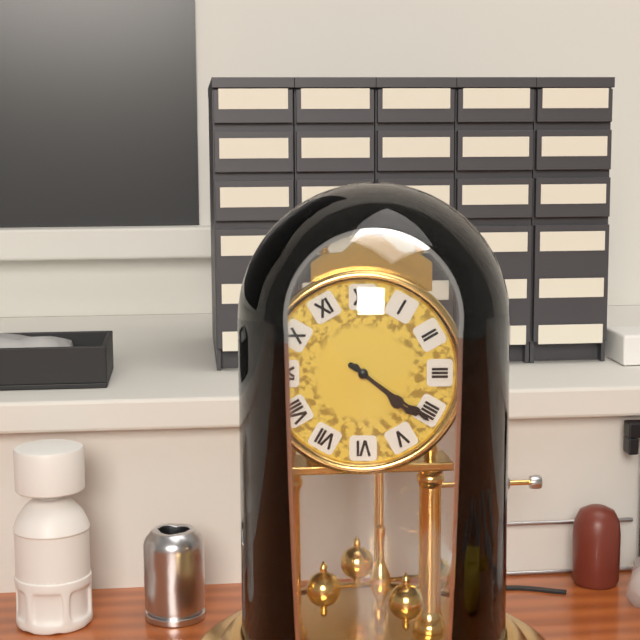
h=4 m=21
